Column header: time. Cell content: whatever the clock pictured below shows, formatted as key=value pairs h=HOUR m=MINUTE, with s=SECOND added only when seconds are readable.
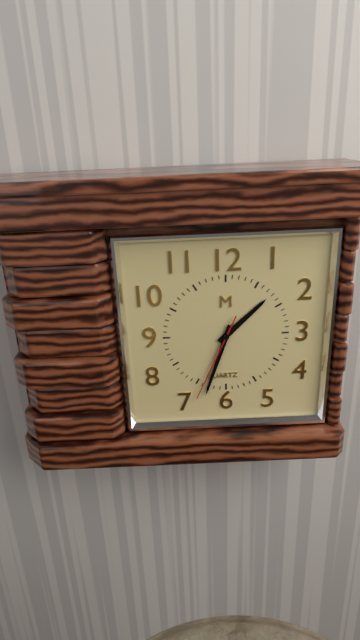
h=1 m=33 s=34
